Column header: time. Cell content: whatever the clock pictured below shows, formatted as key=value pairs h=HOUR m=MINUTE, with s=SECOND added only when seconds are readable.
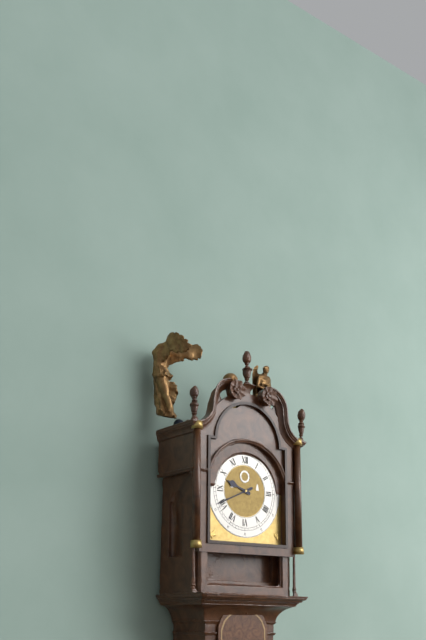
h=9 m=41
